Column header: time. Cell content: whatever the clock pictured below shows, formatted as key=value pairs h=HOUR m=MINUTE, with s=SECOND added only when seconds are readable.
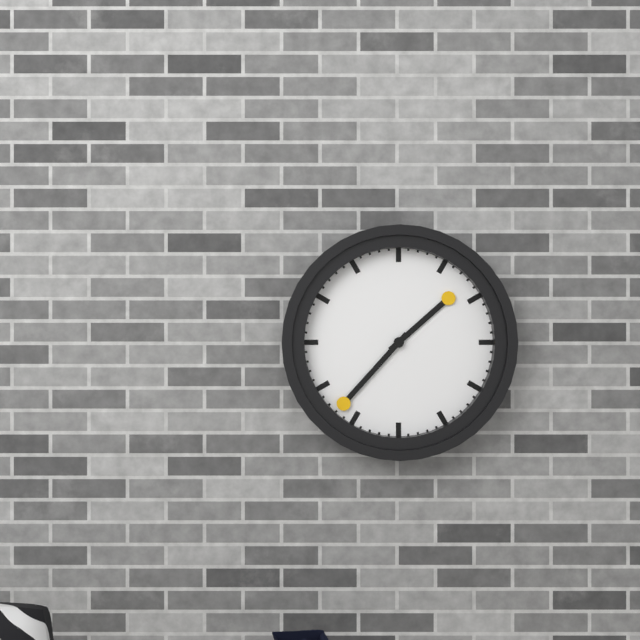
h=1 m=37
